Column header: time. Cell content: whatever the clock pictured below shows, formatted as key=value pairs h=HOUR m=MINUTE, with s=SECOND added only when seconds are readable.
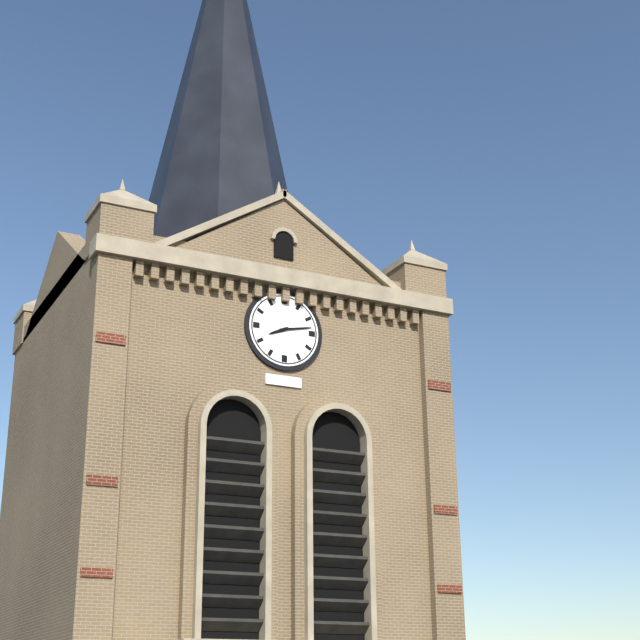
h=8 m=13
